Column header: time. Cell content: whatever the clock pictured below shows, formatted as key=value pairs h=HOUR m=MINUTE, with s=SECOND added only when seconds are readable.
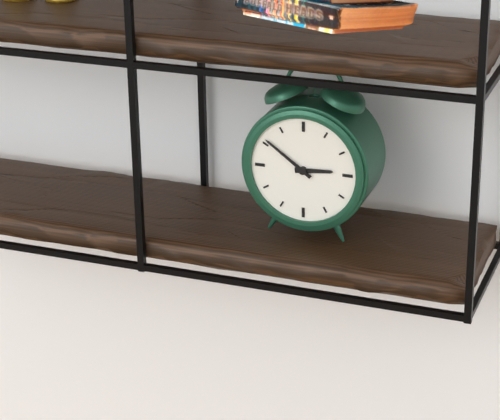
h=2 m=51
